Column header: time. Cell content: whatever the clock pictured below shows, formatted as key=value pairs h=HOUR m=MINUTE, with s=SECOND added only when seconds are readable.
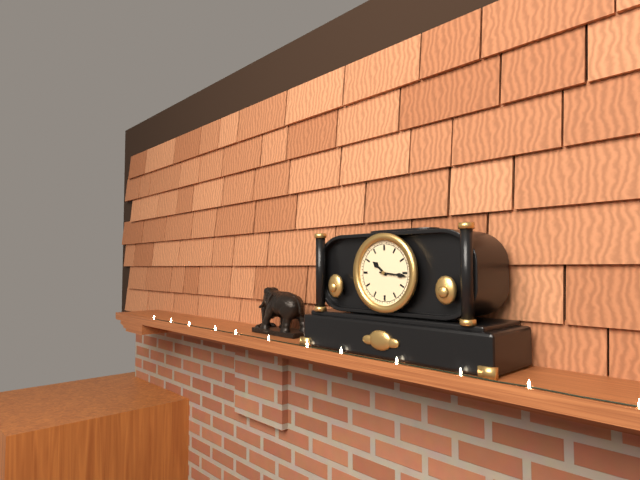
h=10 m=16
